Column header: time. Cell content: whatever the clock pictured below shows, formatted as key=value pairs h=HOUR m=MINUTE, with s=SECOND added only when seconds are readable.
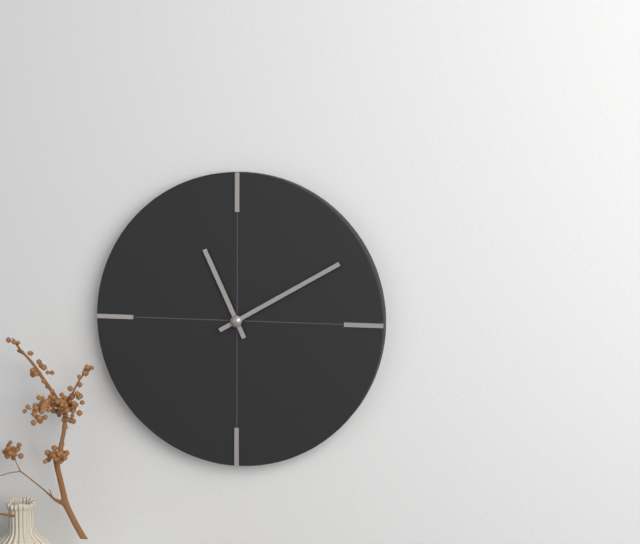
h=11 m=10
